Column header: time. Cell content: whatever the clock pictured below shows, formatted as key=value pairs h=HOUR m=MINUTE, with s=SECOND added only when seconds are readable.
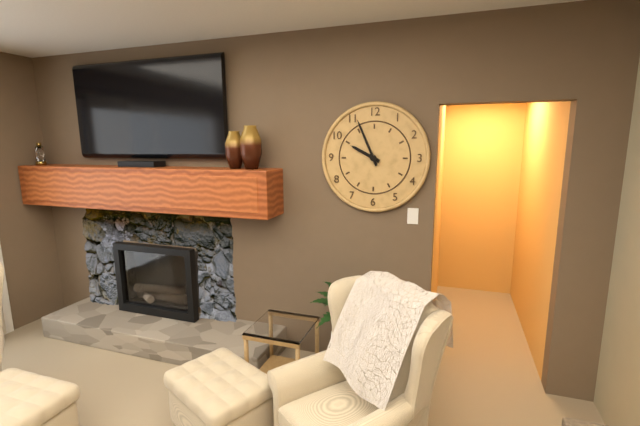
h=9 m=56
